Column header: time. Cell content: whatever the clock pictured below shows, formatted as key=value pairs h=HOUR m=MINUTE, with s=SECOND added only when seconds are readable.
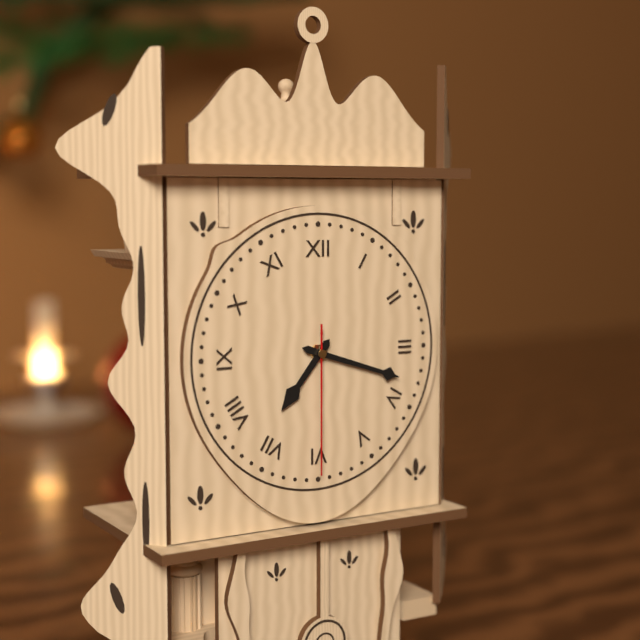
h=7 m=18 s=30
